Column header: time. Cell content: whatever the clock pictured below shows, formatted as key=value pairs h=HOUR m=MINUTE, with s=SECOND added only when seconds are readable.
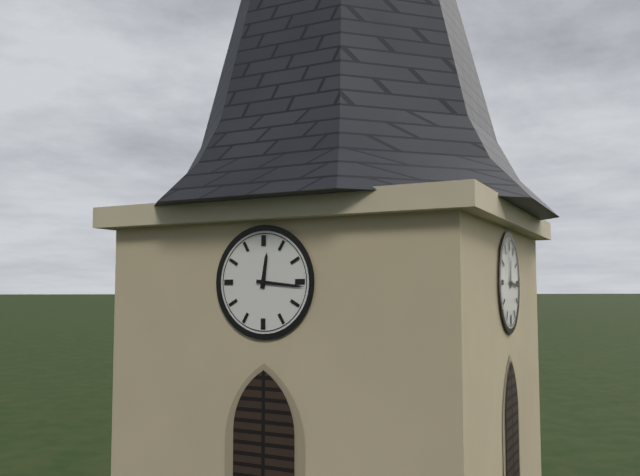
h=12 m=16
